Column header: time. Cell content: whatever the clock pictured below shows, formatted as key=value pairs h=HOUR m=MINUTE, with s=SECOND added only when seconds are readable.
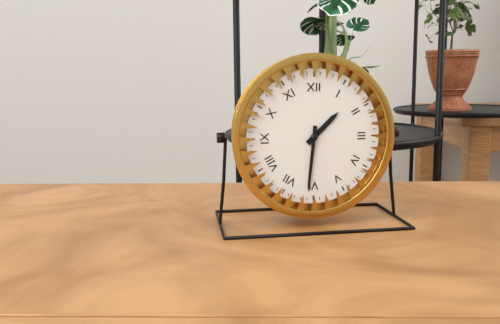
h=1 m=31
